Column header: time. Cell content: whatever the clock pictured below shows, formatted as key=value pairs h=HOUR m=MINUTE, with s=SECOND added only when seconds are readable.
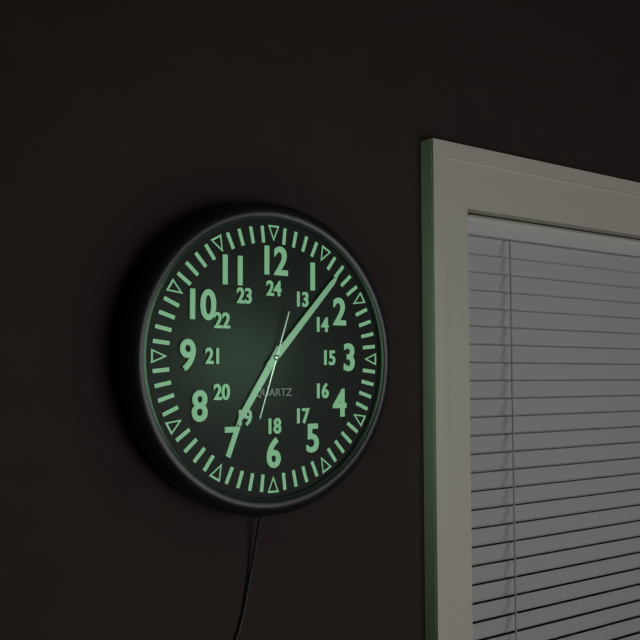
h=7 m=7 s=33
